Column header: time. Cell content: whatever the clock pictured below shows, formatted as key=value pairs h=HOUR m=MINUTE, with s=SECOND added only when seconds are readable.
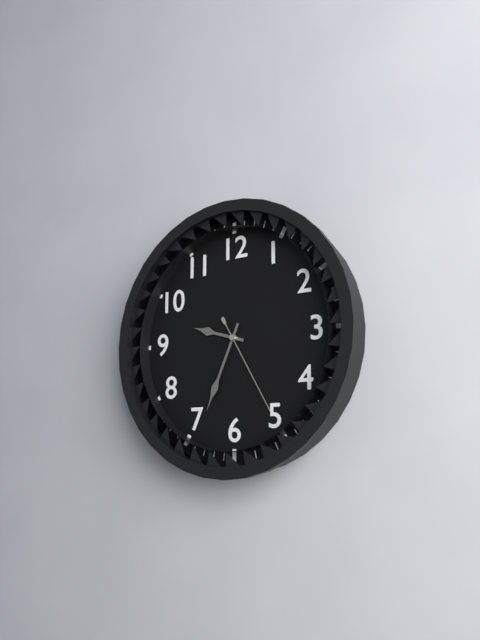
h=9 m=34 s=25
